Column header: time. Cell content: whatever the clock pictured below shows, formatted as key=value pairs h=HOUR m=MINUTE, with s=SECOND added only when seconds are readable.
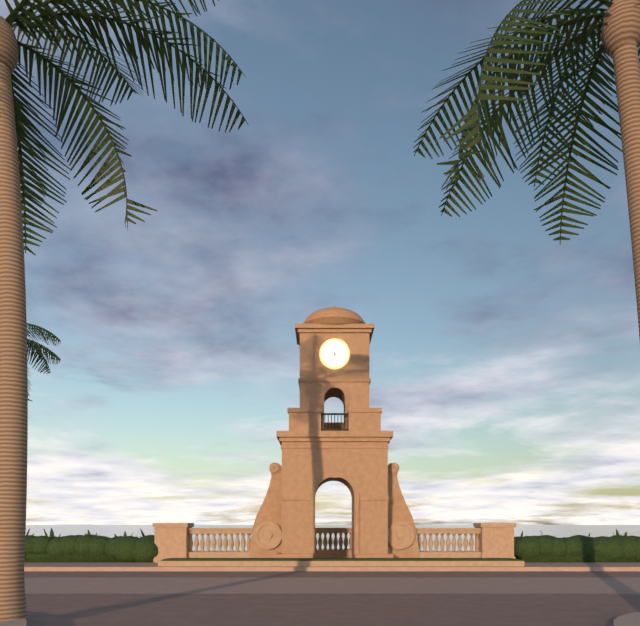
h=5 m=52
